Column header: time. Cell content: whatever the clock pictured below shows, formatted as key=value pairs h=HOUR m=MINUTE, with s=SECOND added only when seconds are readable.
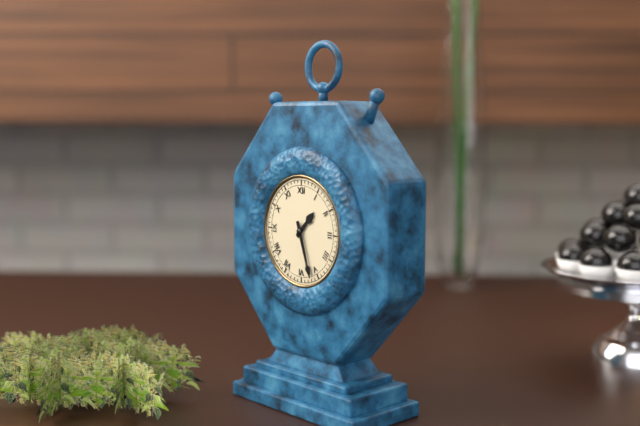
h=1 m=27
